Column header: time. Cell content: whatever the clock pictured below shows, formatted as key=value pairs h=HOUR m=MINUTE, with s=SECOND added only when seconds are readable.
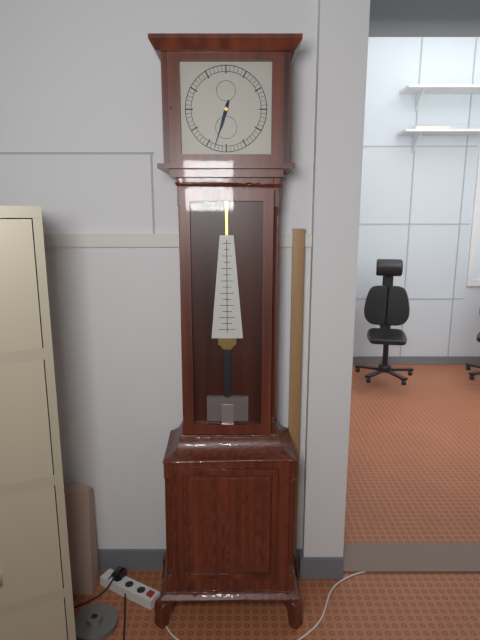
h=6 m=33
